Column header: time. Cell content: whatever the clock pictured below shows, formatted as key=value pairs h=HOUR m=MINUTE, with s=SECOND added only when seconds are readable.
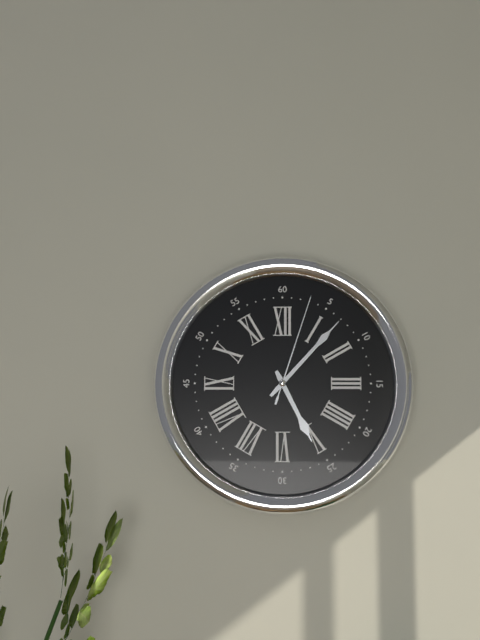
h=5 m=7 s=3
